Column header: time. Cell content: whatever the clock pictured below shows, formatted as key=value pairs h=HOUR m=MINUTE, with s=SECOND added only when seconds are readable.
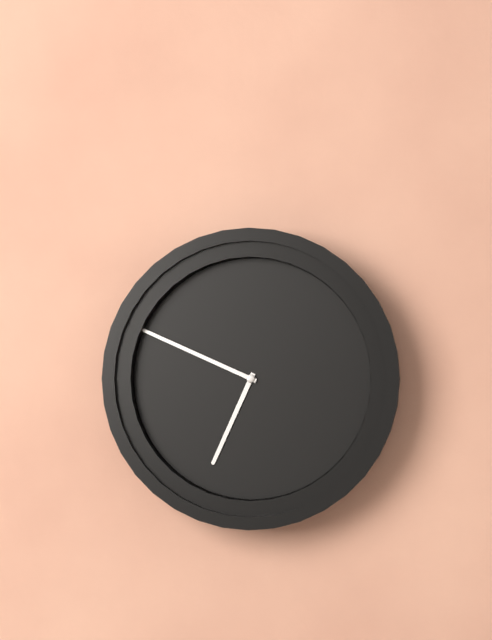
h=6 m=49
